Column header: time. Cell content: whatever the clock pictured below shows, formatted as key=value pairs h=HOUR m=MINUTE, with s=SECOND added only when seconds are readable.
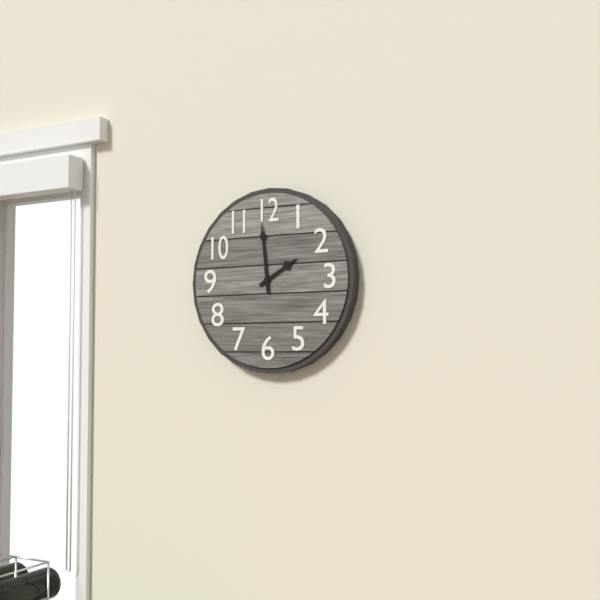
h=1 m=59
